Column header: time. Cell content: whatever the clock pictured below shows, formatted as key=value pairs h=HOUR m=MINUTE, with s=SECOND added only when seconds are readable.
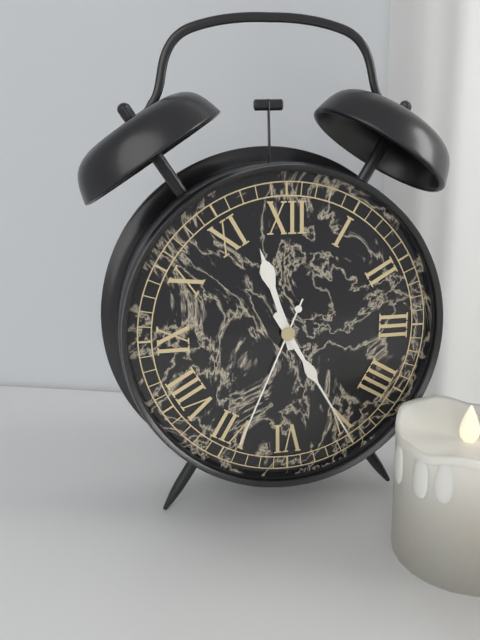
h=11 m=25 s=34
